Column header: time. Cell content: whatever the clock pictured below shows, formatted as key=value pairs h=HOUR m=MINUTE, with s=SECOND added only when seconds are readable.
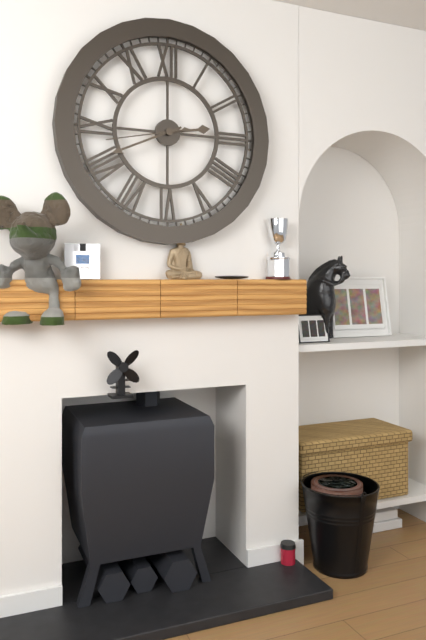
h=2 m=41 s=43
